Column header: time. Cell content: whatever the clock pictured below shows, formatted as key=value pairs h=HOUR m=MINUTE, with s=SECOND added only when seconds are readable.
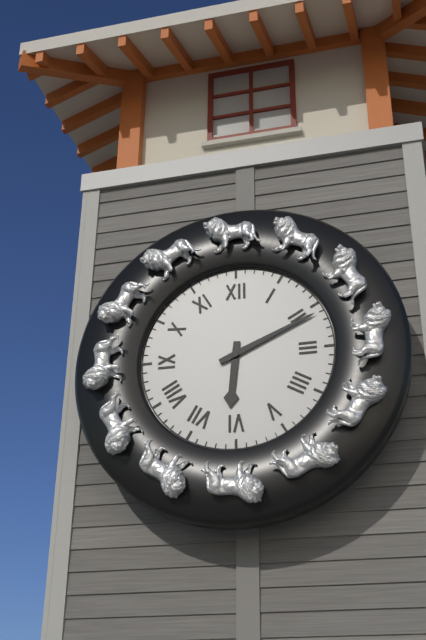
h=6 m=11
